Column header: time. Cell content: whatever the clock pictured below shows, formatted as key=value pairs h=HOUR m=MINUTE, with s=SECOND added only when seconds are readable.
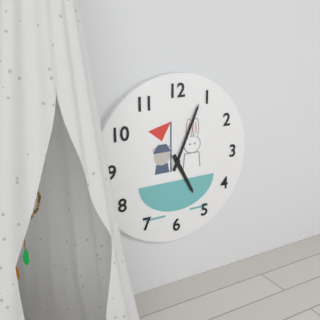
h=5 m=4
